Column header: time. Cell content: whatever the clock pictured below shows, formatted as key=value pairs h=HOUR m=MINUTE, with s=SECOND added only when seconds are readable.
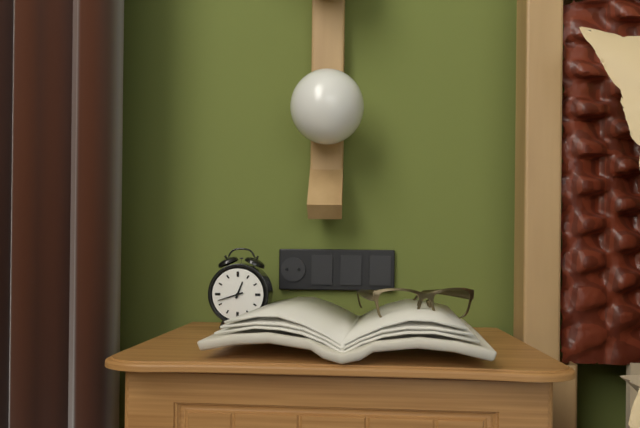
h=12 m=42
